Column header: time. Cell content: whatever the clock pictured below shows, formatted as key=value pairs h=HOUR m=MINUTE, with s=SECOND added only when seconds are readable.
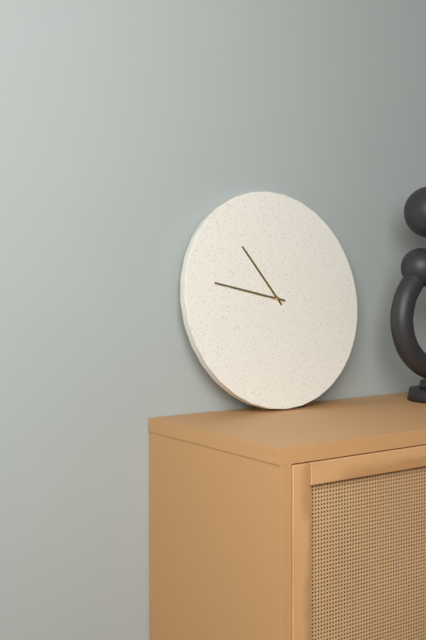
h=10 m=47
